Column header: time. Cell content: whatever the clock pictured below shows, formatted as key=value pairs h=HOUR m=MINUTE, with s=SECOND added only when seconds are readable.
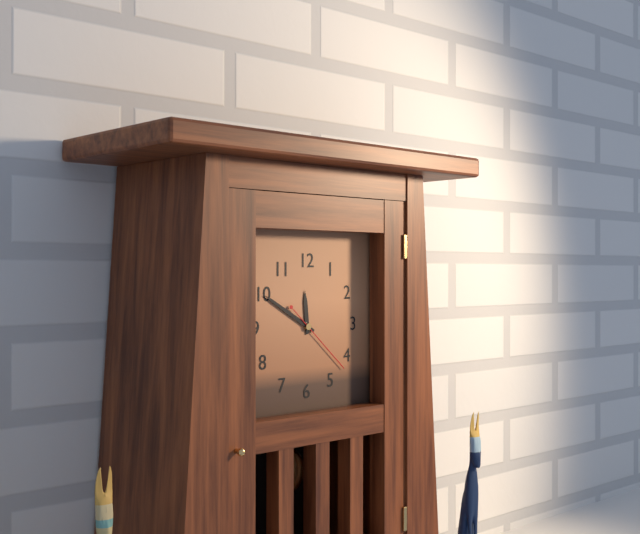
h=11 m=50 s=22
